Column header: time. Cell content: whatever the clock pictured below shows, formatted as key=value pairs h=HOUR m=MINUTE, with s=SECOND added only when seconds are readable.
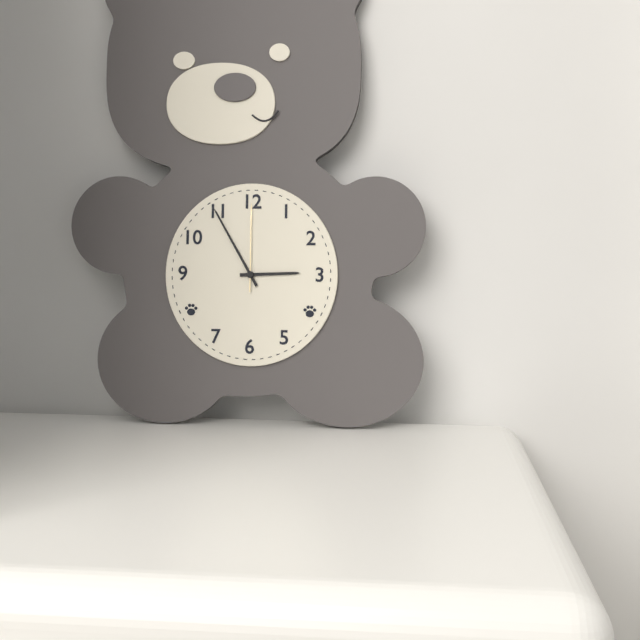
h=2 m=55 s=0
